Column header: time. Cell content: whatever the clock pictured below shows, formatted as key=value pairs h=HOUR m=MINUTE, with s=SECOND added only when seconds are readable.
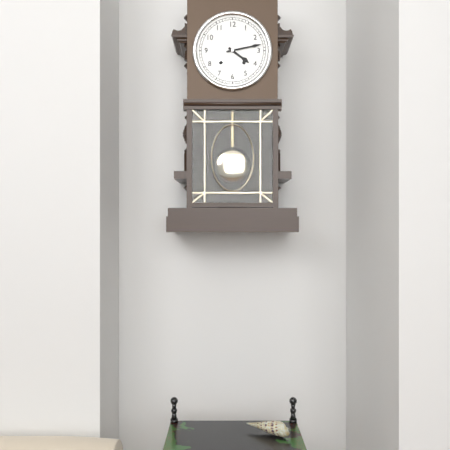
h=4 m=13
